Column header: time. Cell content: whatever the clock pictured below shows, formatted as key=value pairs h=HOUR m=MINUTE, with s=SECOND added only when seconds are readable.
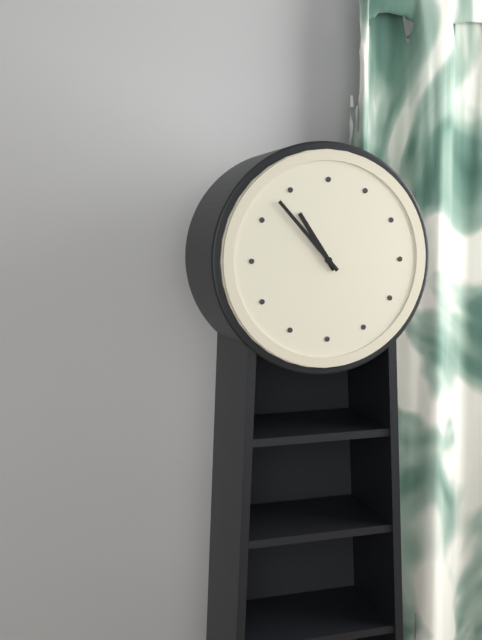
h=10 m=53
